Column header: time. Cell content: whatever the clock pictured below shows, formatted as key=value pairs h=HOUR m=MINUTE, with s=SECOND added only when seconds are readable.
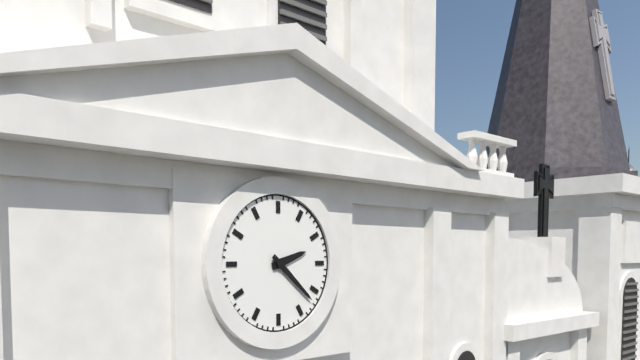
h=2 m=22
